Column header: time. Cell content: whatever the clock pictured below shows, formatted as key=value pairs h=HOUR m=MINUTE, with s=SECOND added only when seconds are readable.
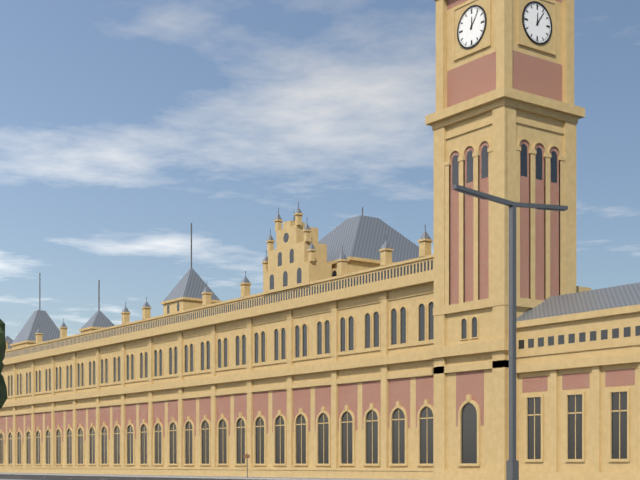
h=12 m=6
